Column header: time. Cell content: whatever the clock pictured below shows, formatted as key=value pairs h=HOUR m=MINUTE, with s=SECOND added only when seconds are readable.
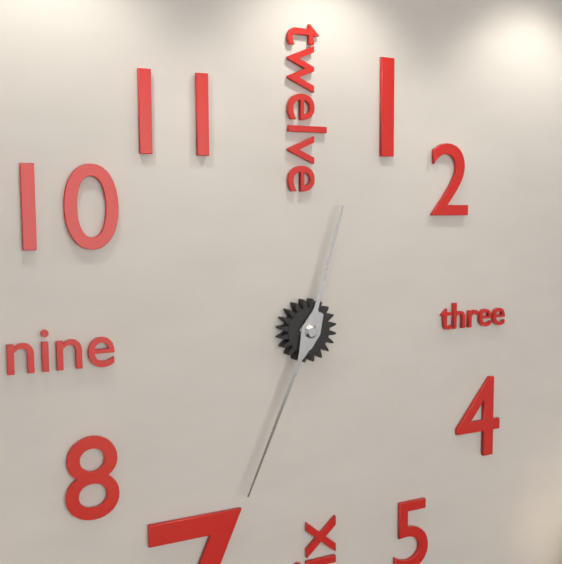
h=12 m=34
